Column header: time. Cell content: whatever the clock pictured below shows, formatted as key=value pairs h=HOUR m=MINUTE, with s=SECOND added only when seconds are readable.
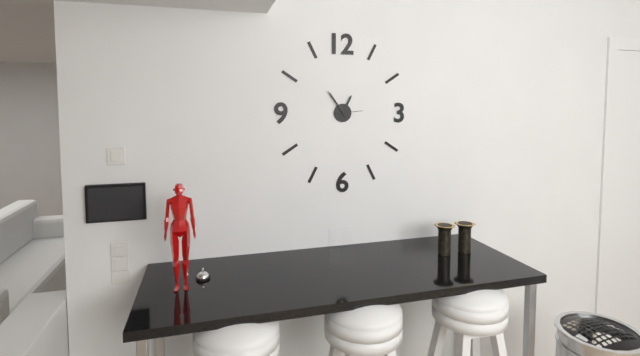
h=12 m=54
